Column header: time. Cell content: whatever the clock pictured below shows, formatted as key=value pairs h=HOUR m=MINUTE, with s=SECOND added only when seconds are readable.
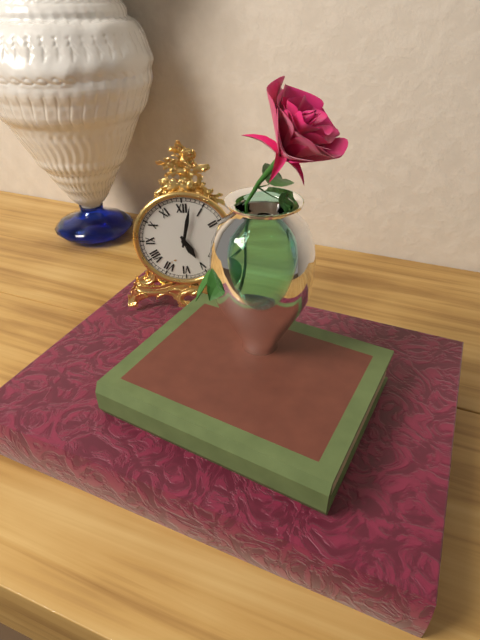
h=5 m=2
